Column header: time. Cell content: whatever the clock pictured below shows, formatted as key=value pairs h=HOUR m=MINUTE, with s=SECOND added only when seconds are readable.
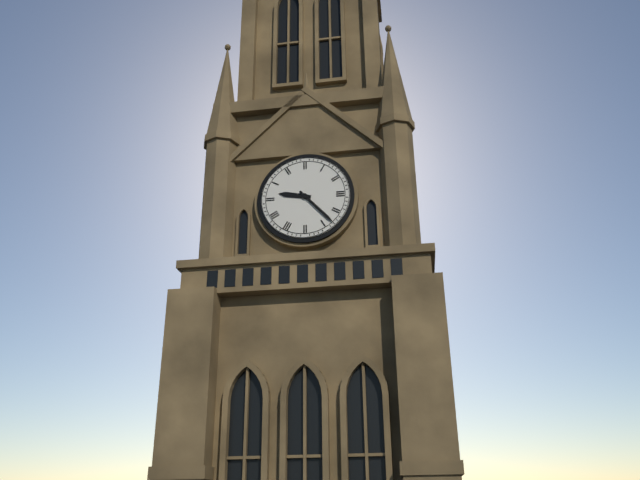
h=9 m=23
